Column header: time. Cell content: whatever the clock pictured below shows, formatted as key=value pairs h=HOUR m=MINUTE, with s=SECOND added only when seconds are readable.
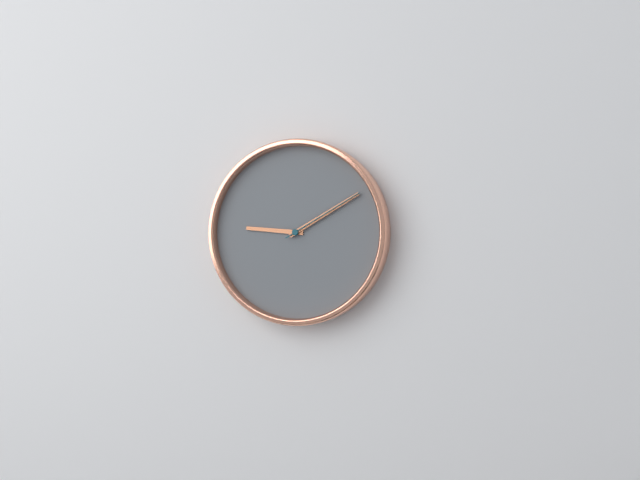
h=9 m=10 s=10
